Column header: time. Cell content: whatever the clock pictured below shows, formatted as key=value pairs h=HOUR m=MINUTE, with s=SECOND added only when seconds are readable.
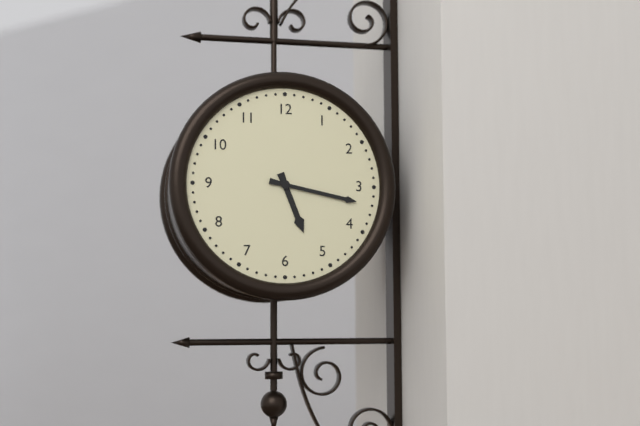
h=5 m=17
